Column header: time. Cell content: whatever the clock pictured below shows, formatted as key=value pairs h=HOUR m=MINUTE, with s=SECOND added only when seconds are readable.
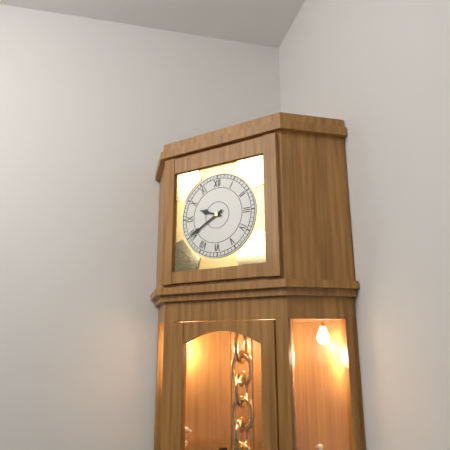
h=9 m=40
